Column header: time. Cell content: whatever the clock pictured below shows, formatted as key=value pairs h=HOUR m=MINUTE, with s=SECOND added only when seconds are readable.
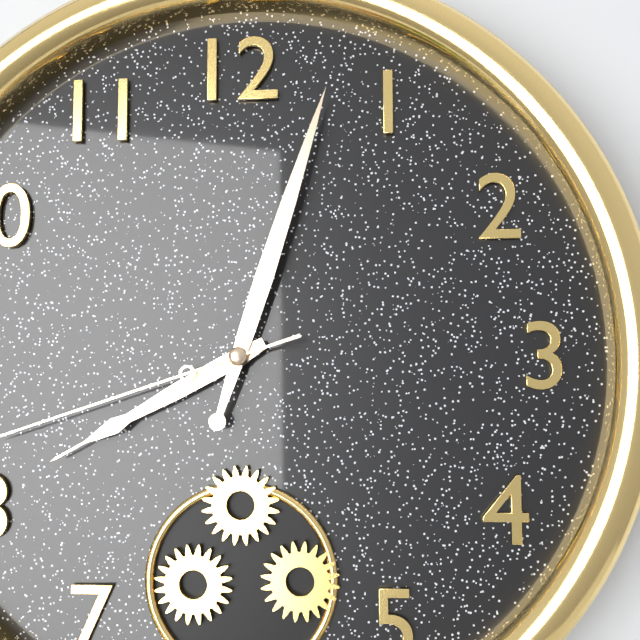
h=8 m=3
